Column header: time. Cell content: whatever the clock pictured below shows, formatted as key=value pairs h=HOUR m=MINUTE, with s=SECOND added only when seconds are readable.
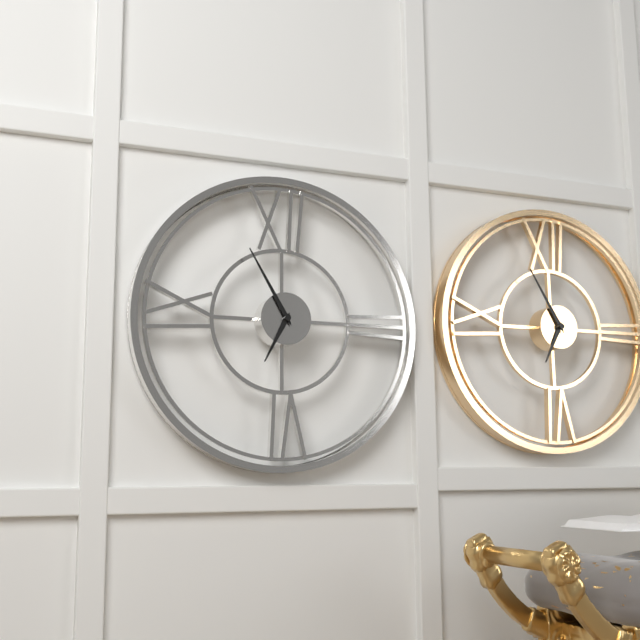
h=6 m=55
